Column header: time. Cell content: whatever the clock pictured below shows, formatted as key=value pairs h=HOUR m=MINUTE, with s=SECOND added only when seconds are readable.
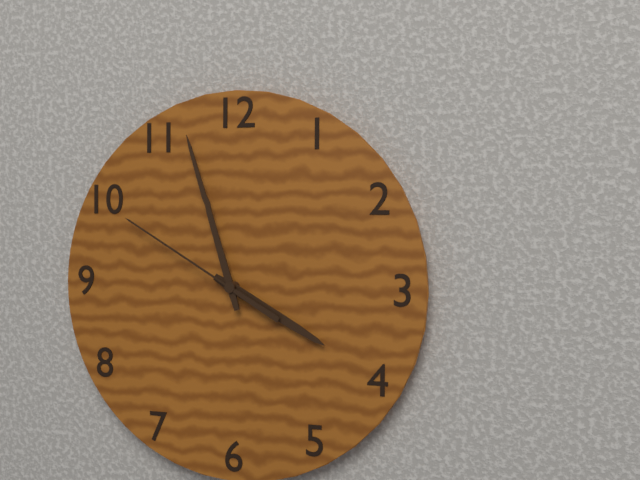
h=3 m=57 s=50
